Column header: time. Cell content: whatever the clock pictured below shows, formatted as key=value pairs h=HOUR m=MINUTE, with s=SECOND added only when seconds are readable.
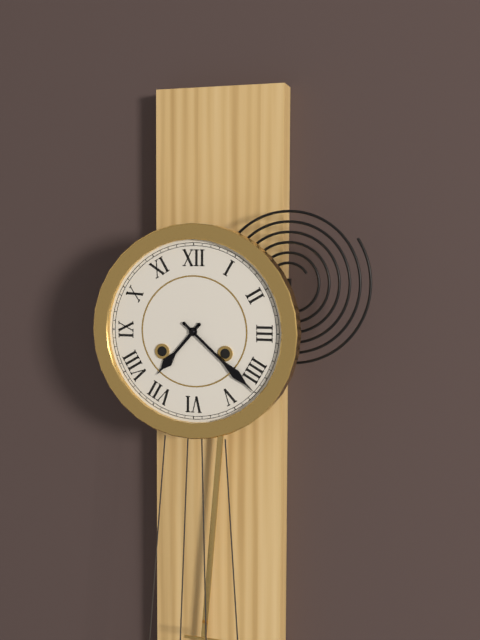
h=7 m=22
